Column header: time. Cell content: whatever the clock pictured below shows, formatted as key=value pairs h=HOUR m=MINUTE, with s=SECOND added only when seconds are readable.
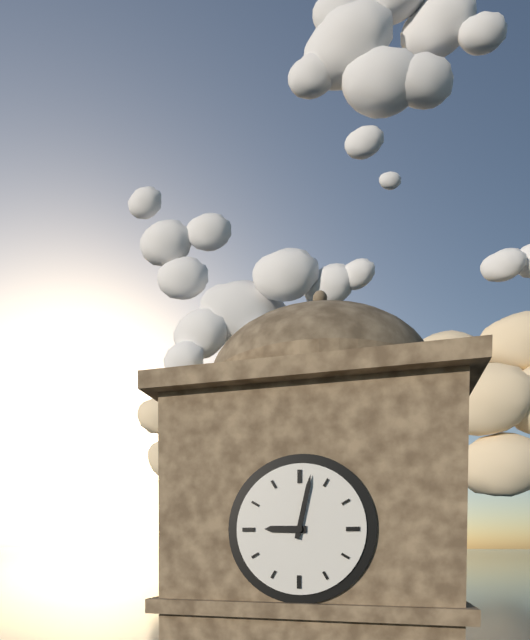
h=9 m=2
